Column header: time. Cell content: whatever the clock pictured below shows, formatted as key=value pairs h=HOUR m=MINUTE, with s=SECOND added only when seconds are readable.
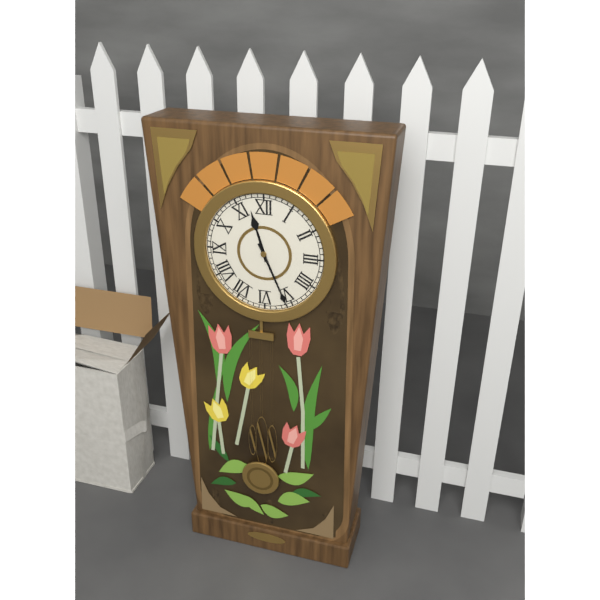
h=11 m=26
